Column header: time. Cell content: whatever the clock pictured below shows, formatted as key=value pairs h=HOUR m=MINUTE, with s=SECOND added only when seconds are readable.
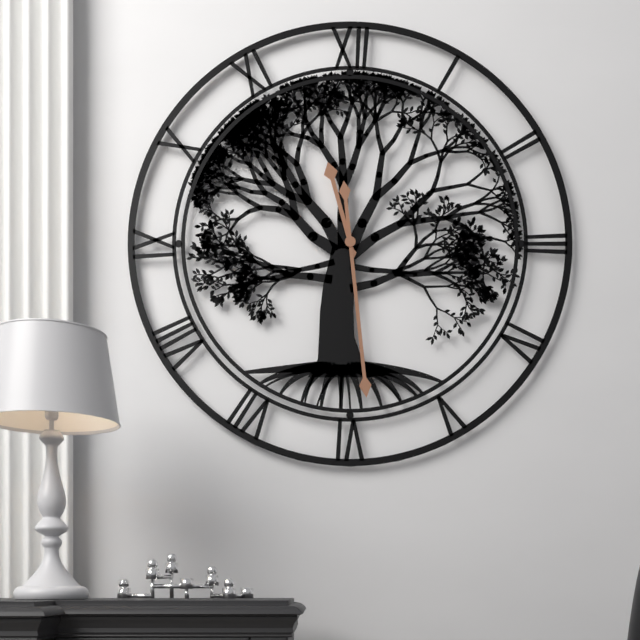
h=11 m=29
